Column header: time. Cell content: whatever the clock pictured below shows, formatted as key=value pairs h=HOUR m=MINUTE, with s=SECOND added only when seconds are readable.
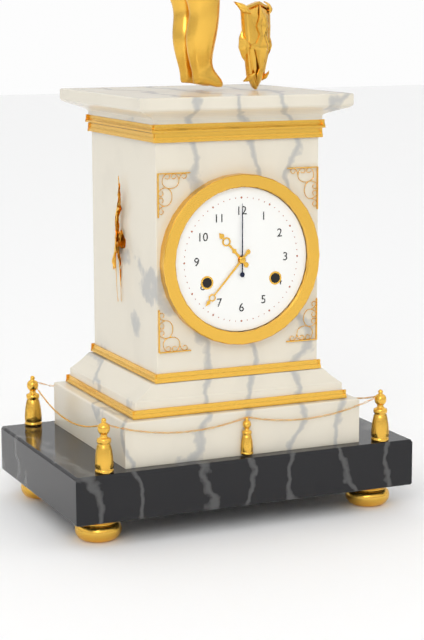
h=10 m=37 s=0
